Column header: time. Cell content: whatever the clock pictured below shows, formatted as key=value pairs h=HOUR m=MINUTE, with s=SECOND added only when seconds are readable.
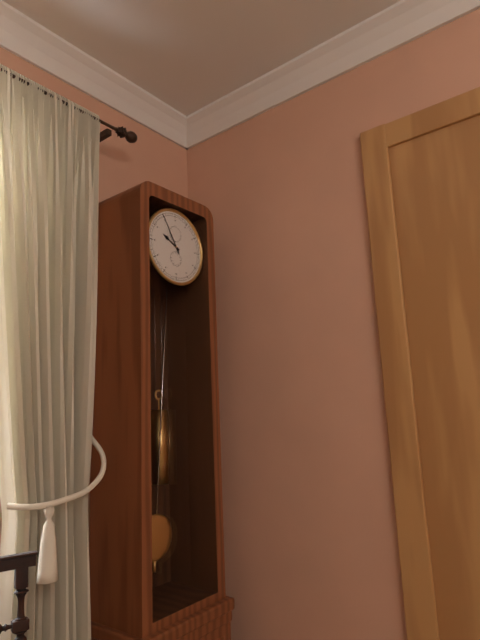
h=9 m=55
